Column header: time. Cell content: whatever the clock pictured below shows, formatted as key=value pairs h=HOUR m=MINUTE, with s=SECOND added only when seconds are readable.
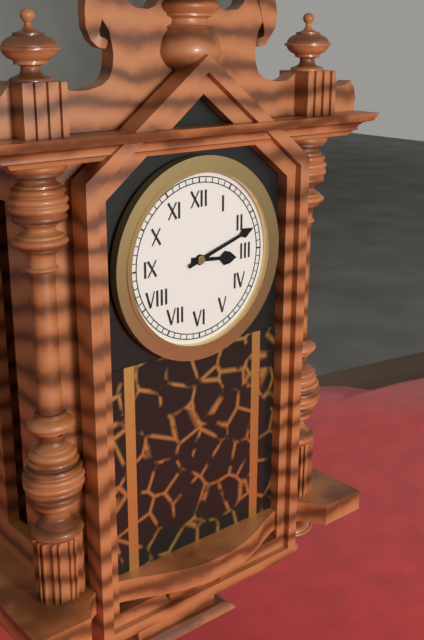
h=3 m=12
